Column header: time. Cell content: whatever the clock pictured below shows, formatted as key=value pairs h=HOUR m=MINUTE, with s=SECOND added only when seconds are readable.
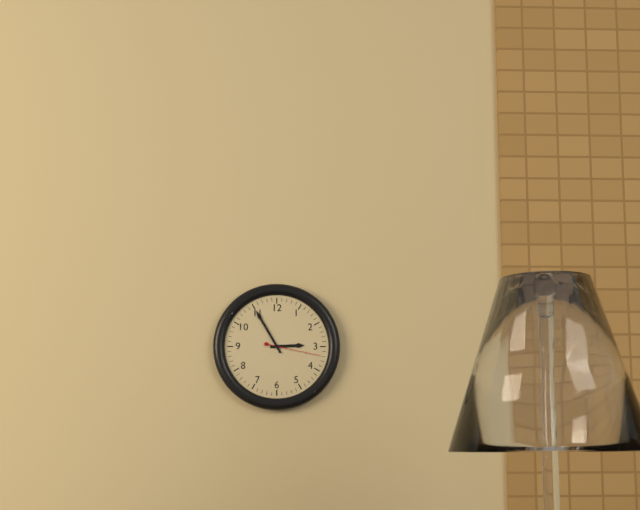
h=2 m=55 s=17
